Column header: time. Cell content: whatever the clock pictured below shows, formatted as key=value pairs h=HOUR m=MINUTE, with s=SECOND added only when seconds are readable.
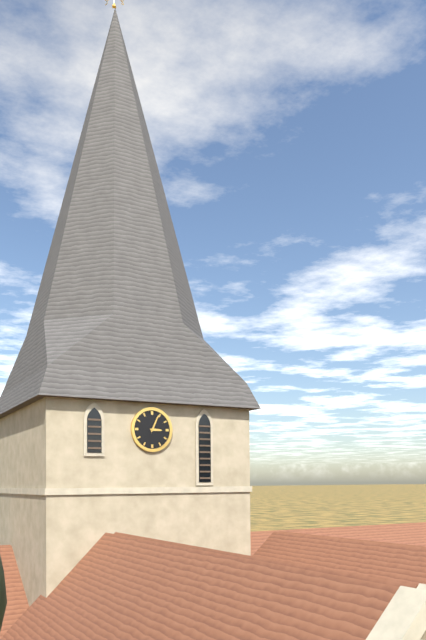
h=3 m=4
